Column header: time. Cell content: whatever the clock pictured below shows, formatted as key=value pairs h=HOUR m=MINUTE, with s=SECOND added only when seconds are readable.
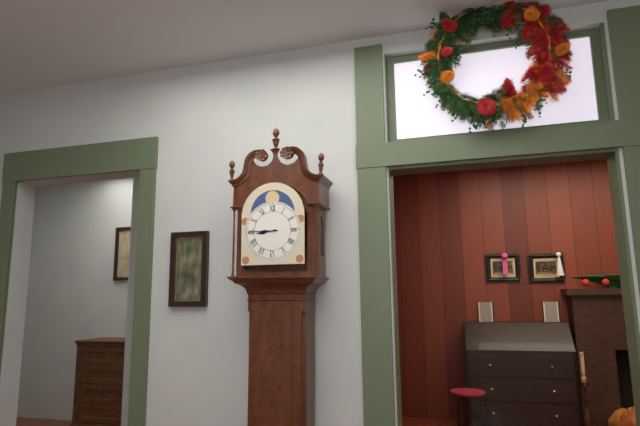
h=8 m=45
